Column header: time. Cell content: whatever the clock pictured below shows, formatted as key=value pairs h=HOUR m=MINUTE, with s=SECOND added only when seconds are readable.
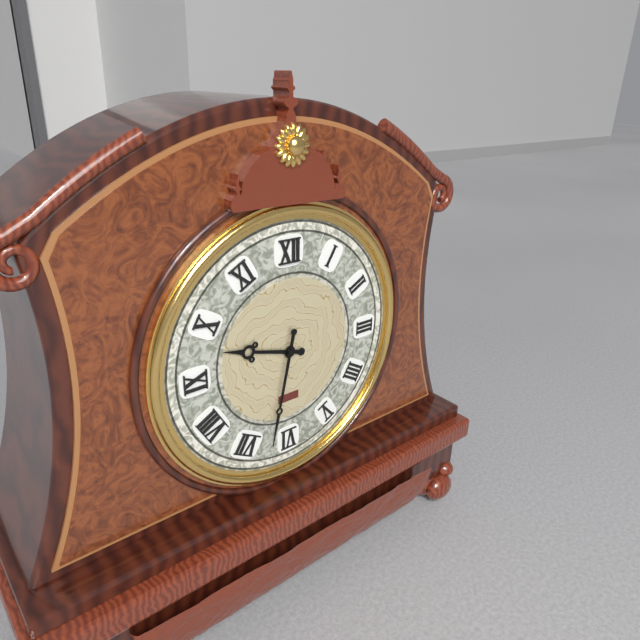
h=9 m=32
